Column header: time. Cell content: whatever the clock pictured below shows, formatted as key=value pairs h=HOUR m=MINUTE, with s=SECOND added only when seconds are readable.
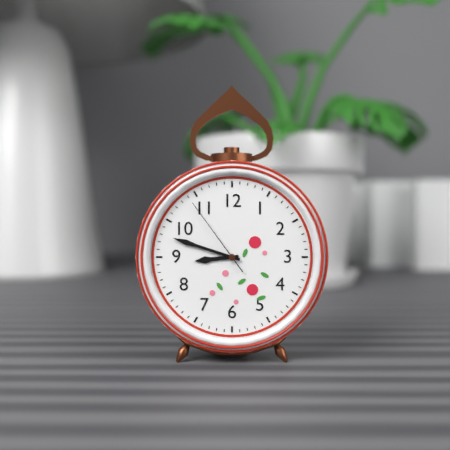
h=8 m=48 s=54
